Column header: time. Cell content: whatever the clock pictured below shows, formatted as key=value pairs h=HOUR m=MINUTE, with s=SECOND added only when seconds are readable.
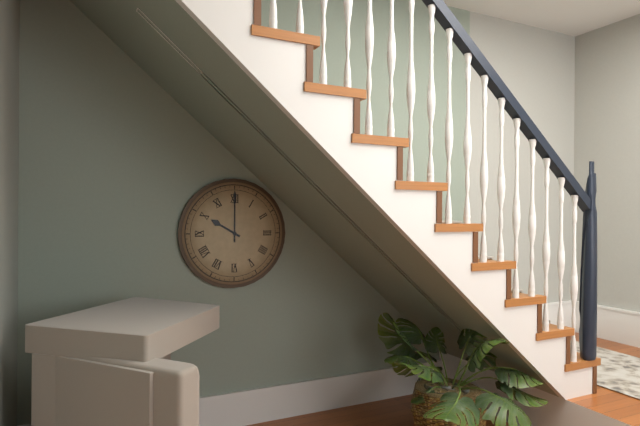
h=10 m=0
